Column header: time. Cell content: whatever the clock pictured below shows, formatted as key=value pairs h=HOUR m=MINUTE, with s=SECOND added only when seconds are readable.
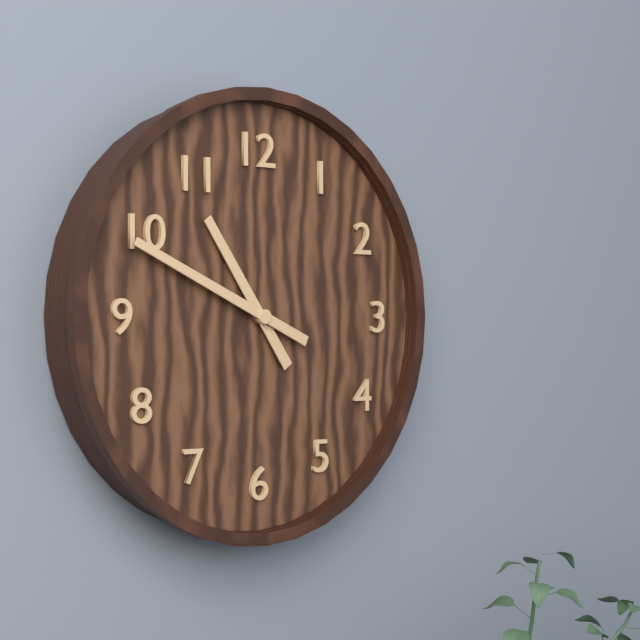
h=10 m=49
